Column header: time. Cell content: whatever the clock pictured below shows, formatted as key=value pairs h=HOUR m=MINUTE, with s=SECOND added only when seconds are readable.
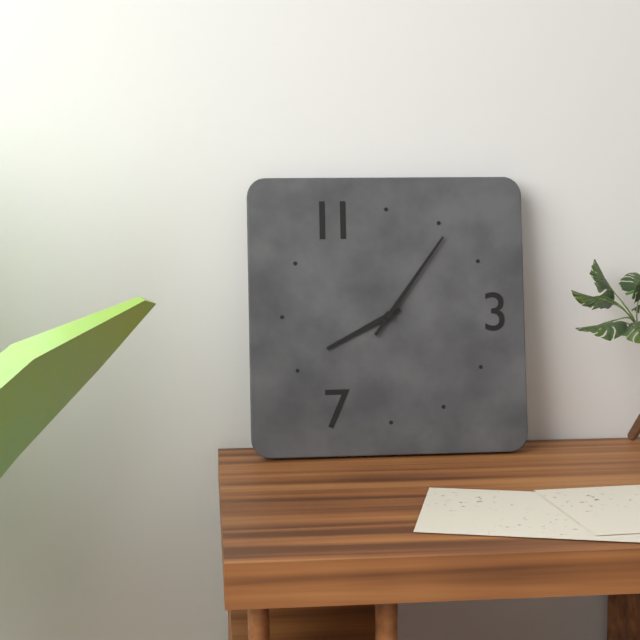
h=8 m=6
